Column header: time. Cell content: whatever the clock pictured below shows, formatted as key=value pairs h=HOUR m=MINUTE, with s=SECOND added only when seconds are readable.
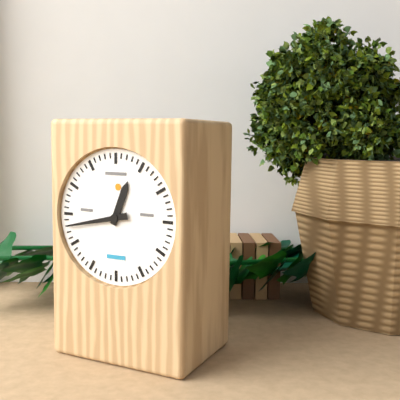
h=12 m=43
